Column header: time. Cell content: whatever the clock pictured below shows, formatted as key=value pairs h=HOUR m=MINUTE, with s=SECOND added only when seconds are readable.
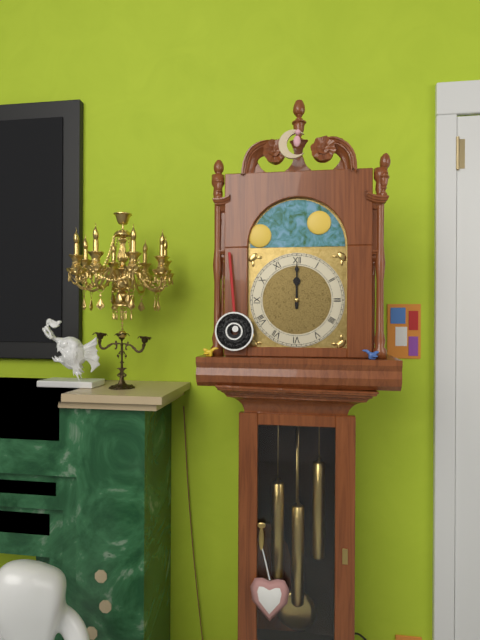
h=12 m=0
